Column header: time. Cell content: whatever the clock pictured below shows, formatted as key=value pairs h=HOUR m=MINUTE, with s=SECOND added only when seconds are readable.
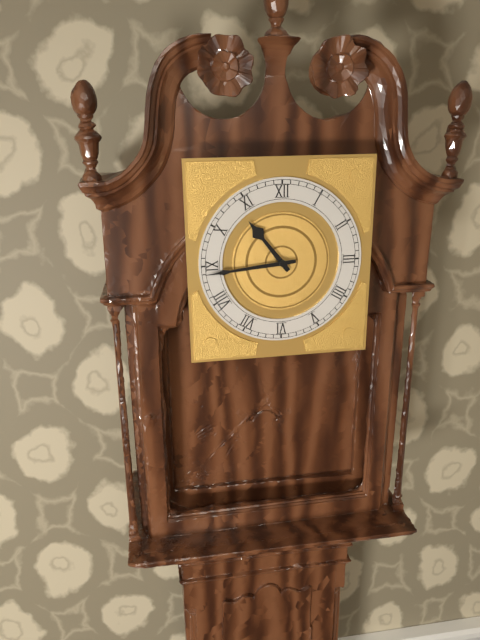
h=10 m=44
